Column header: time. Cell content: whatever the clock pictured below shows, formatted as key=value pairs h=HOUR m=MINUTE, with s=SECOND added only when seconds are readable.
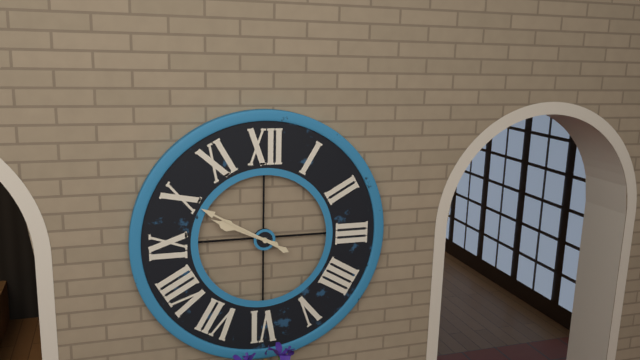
h=9 m=50
